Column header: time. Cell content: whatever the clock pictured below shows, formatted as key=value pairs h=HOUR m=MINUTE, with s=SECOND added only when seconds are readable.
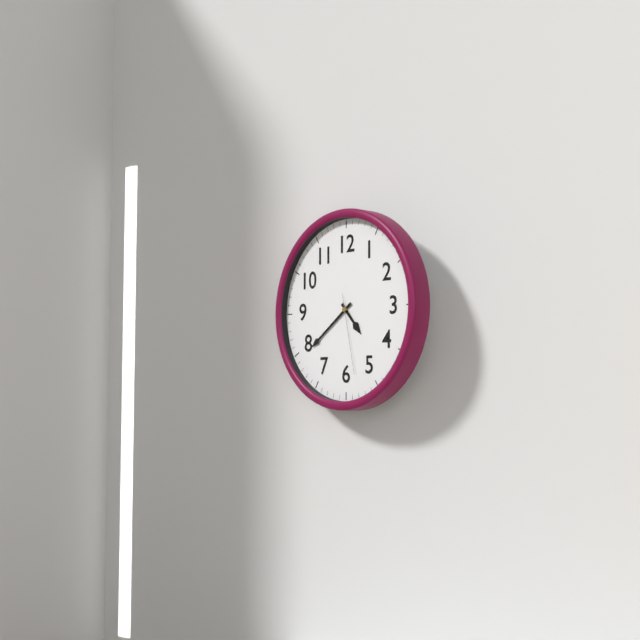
h=4 m=39 s=28
